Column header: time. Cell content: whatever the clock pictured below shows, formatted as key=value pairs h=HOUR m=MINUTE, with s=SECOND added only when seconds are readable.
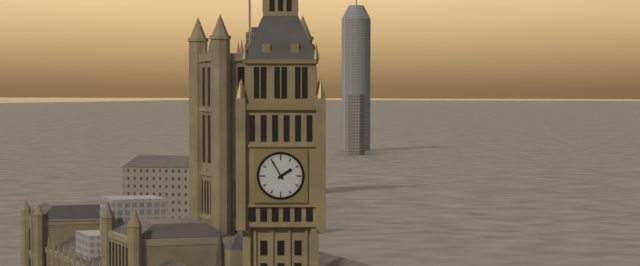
h=1 m=55
